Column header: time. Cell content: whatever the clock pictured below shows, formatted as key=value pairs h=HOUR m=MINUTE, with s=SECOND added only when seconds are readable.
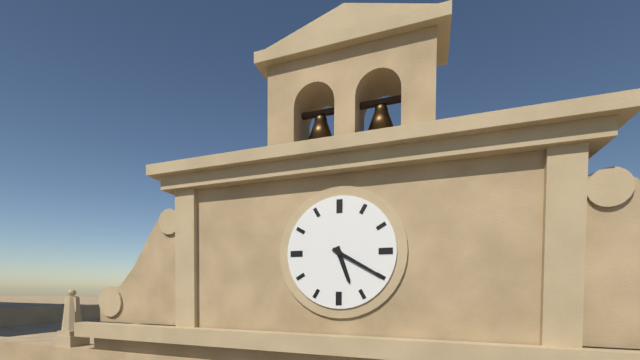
h=5 m=20
